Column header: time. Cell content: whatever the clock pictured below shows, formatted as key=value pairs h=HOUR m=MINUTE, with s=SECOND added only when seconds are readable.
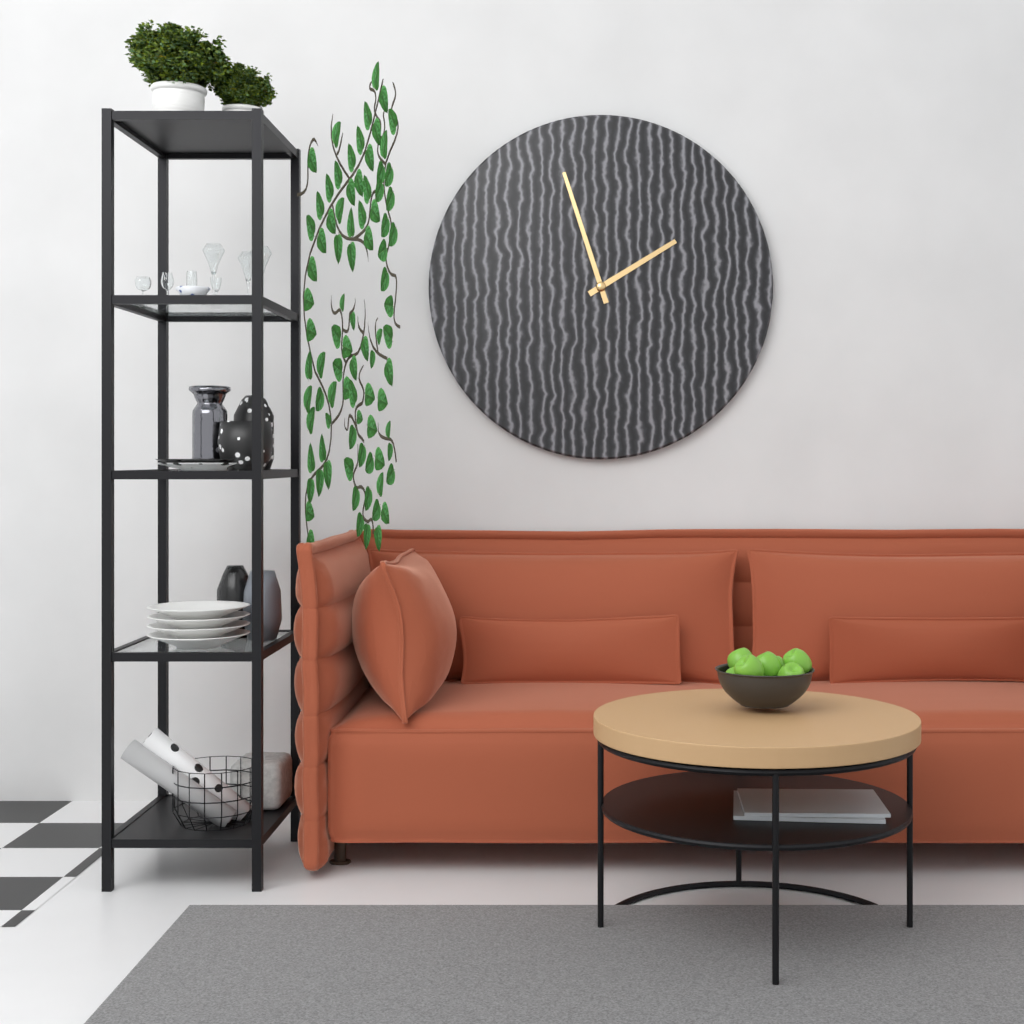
h=1 m=57
